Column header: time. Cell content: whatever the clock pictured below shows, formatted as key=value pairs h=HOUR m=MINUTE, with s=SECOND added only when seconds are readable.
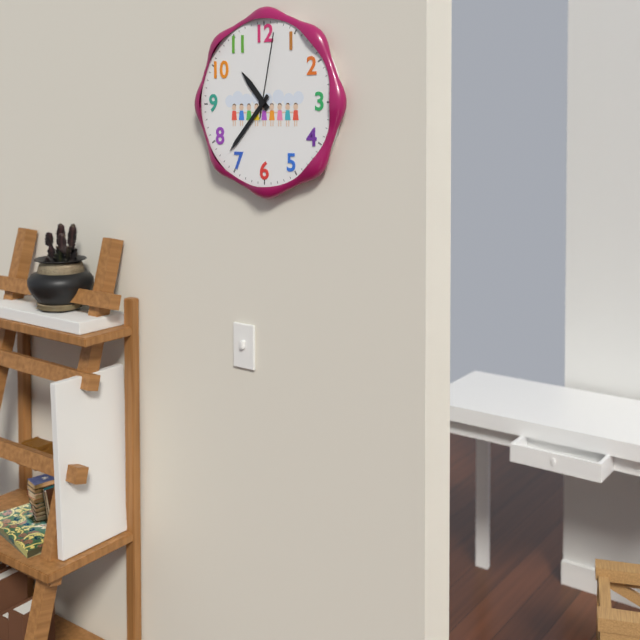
h=10 m=37 s=2
